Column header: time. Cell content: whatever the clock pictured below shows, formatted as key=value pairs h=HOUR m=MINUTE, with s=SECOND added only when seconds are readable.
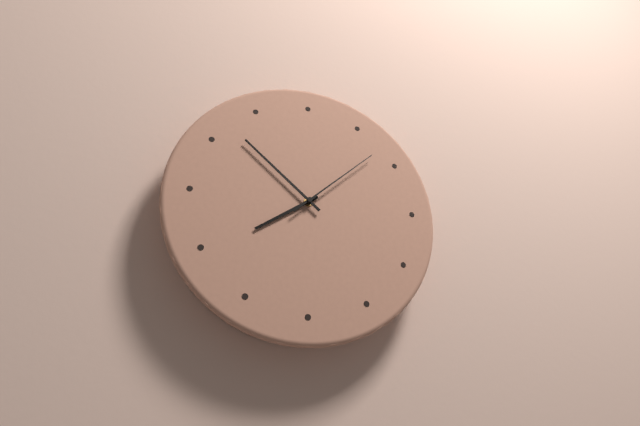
h=7 m=52 s=8
